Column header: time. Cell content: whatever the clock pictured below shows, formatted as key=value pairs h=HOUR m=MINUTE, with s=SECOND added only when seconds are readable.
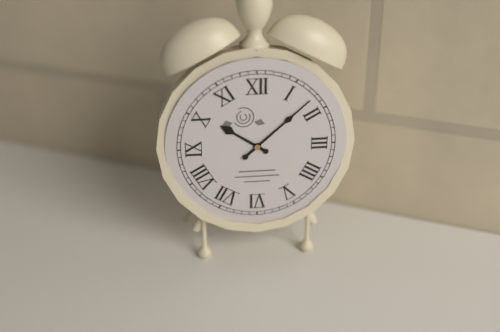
h=10 m=8
